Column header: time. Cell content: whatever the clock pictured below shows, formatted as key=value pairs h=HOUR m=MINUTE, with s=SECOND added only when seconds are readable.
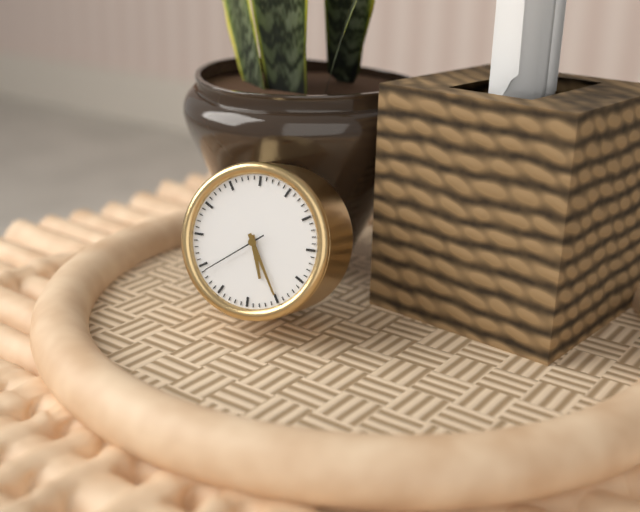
h=5 m=25 s=39
